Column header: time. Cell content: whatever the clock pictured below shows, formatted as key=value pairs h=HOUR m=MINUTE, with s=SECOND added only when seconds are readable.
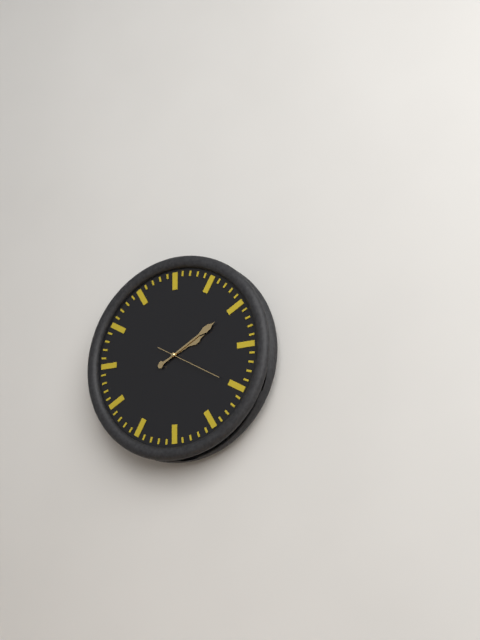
h=2 m=10 s=20
